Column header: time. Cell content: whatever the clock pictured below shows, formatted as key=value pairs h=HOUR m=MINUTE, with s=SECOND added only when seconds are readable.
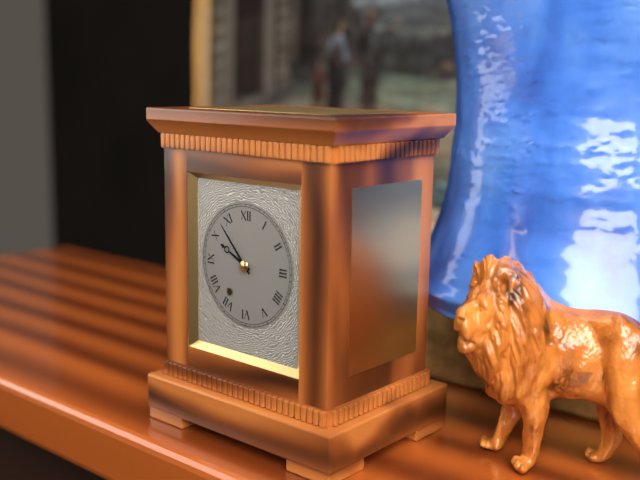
h=9 m=53
